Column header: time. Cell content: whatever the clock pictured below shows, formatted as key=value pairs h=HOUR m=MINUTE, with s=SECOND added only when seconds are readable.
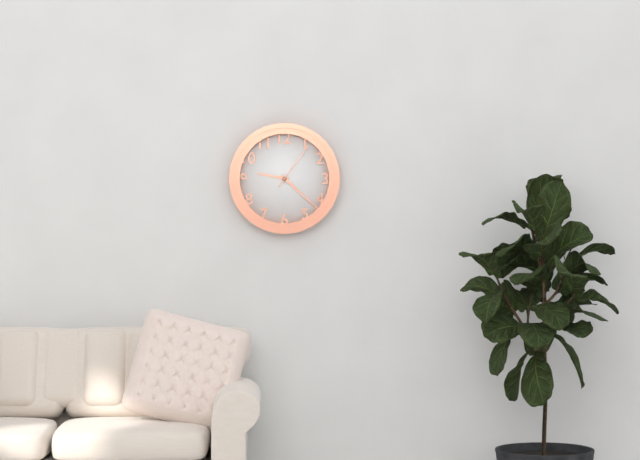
h=9 m=22 s=6
